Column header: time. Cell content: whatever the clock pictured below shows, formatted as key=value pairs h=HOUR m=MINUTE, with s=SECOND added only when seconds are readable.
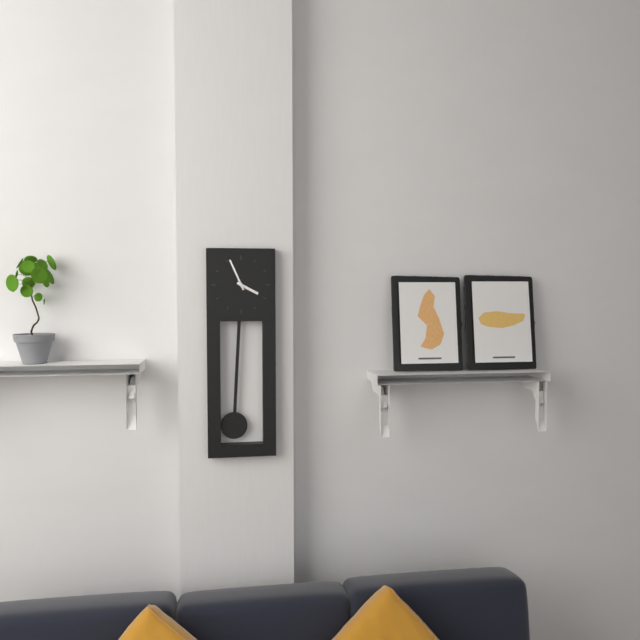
h=3 m=56
